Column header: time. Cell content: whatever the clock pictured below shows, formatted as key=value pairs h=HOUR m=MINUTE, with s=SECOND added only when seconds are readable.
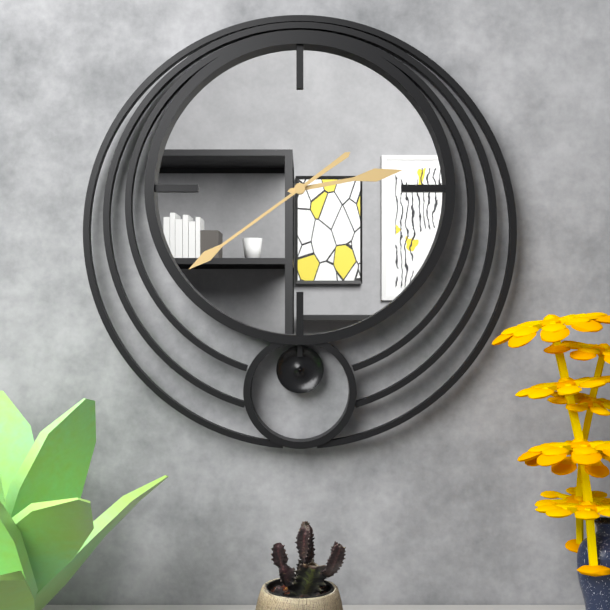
h=2 m=39
